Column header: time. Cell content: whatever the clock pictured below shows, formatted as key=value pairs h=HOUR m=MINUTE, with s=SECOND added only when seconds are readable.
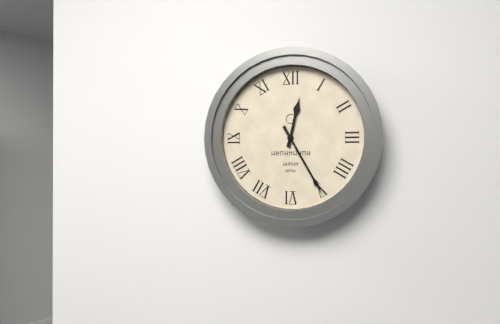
h=12 m=25
